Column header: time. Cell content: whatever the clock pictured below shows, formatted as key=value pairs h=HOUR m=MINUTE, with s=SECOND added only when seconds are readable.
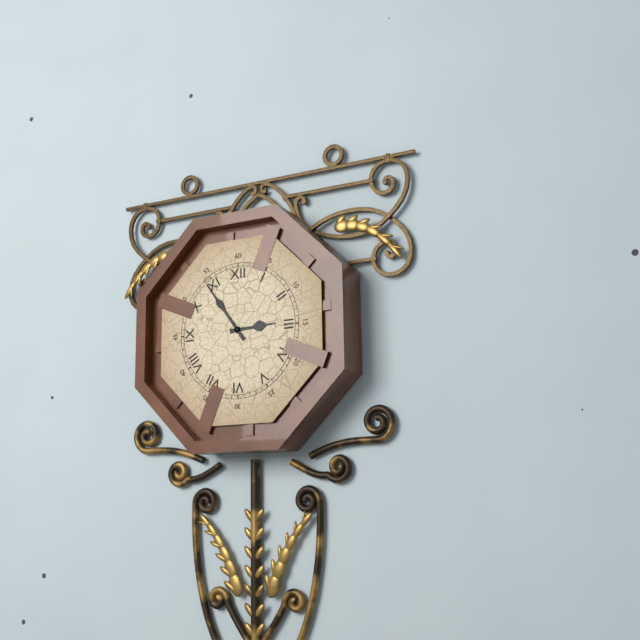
h=2 m=54
